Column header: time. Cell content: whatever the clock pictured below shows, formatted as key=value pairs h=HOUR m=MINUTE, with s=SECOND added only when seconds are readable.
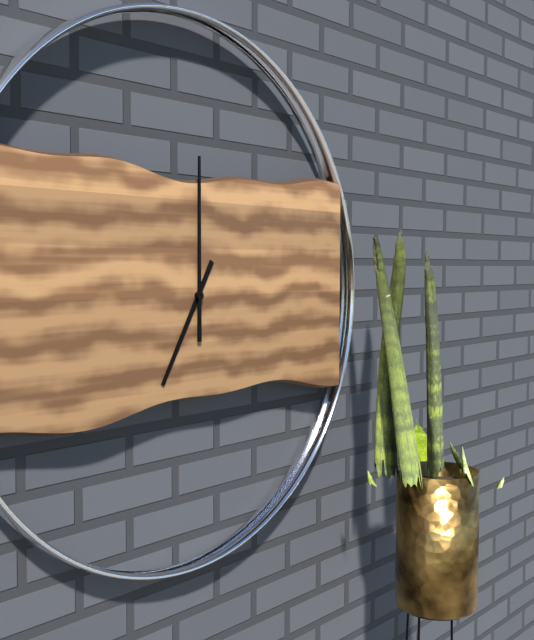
h=7 m=0
